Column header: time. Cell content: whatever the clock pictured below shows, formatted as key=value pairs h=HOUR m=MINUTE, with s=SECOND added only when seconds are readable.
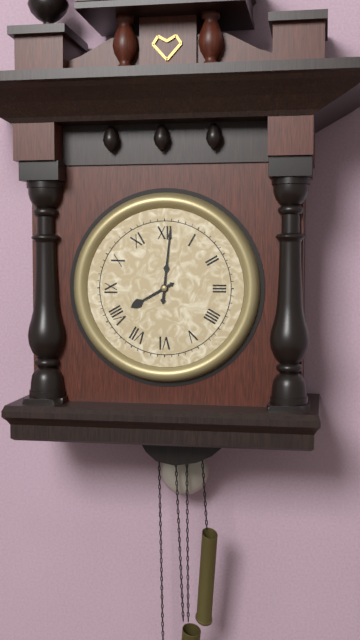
h=8 m=1
